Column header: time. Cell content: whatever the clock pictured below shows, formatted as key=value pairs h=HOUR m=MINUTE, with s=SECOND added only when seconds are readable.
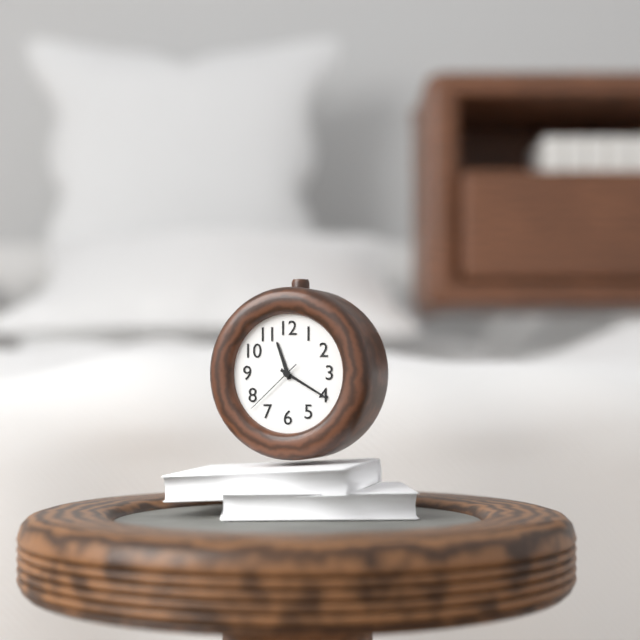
h=11 m=20 s=38
